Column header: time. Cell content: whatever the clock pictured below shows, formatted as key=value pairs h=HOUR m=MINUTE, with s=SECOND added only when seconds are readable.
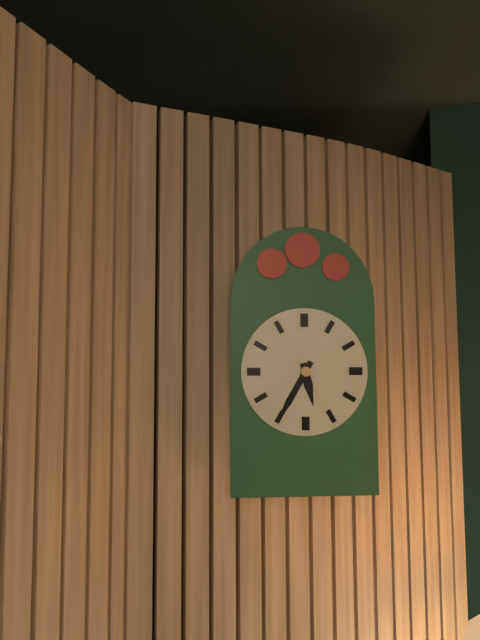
h=5 m=35
